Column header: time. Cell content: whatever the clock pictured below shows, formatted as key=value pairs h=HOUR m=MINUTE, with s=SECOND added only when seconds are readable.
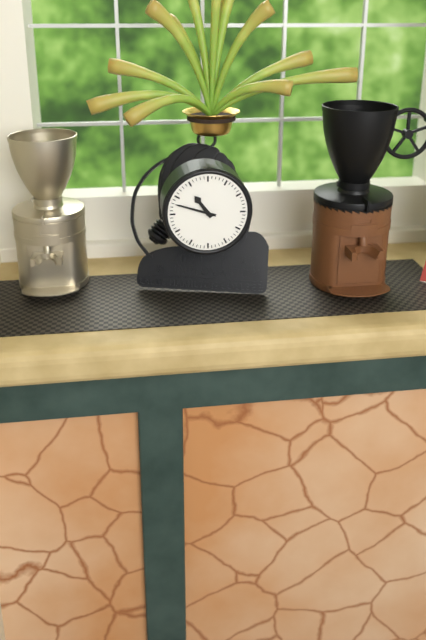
h=10 m=48
